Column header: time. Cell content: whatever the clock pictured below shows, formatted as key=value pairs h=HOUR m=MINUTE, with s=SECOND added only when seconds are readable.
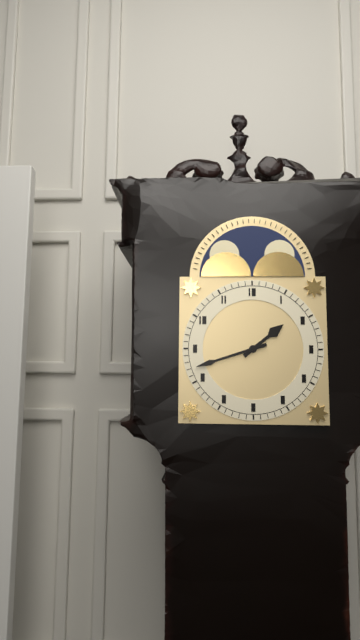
h=1 m=42
